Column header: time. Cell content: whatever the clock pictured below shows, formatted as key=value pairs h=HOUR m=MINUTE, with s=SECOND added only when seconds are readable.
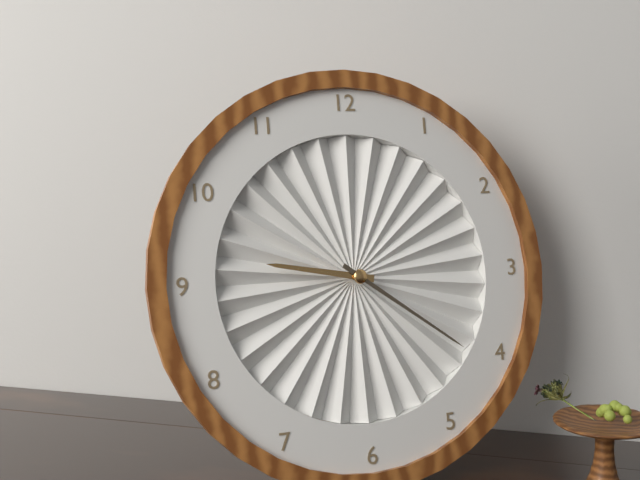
h=9 m=21
